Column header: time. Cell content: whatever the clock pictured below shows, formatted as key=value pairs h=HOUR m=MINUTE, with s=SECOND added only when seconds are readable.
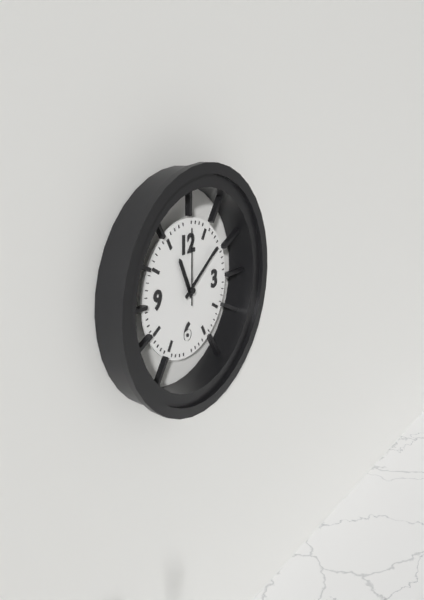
h=11 m=9 s=0
